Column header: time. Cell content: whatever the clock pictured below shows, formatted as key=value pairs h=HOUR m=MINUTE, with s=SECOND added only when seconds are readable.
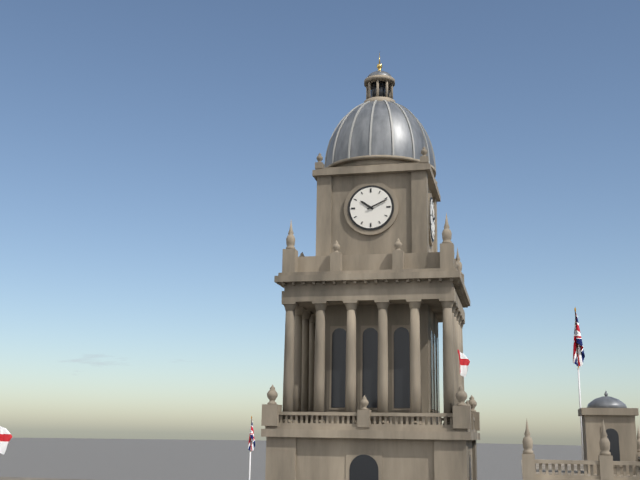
h=10 m=11
